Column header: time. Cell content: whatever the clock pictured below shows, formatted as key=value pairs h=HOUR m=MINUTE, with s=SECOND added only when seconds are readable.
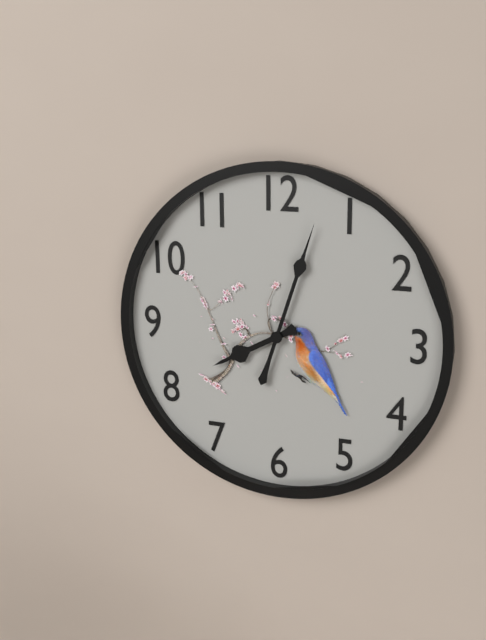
h=8 m=3
